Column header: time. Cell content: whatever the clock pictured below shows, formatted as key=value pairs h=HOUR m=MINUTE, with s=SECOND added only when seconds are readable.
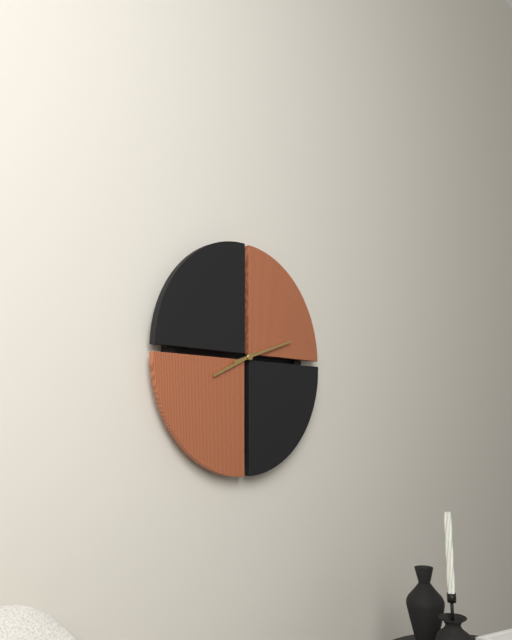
h=8 m=12
